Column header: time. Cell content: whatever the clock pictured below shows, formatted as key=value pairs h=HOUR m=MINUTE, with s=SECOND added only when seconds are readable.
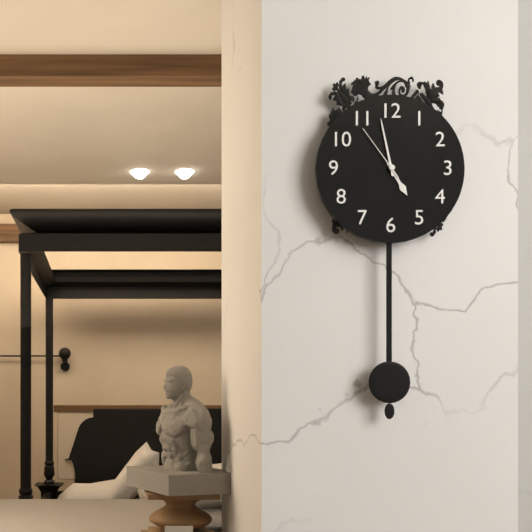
h=4 m=58 s=54
